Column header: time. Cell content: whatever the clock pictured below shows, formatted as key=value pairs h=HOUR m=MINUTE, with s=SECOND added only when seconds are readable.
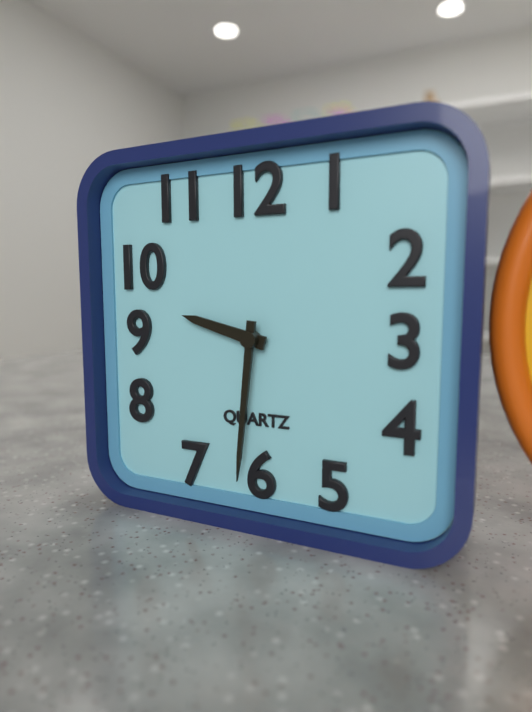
h=9 m=31
